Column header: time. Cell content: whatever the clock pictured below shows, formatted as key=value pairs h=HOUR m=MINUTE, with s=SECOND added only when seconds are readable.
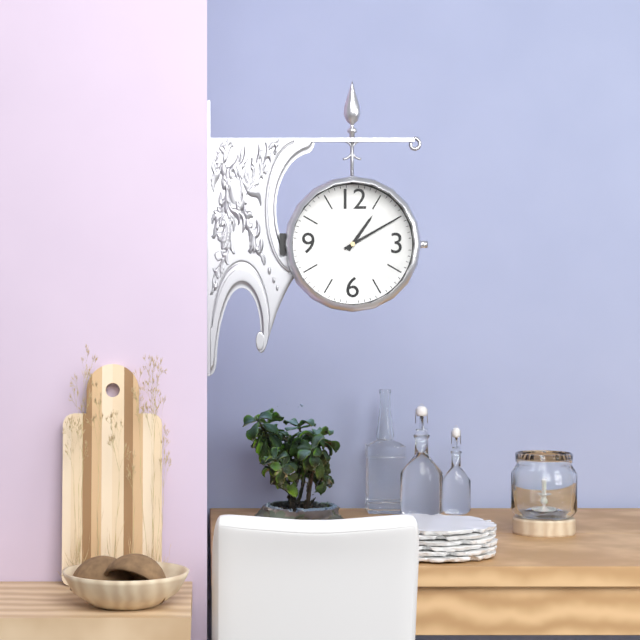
h=1 m=10
